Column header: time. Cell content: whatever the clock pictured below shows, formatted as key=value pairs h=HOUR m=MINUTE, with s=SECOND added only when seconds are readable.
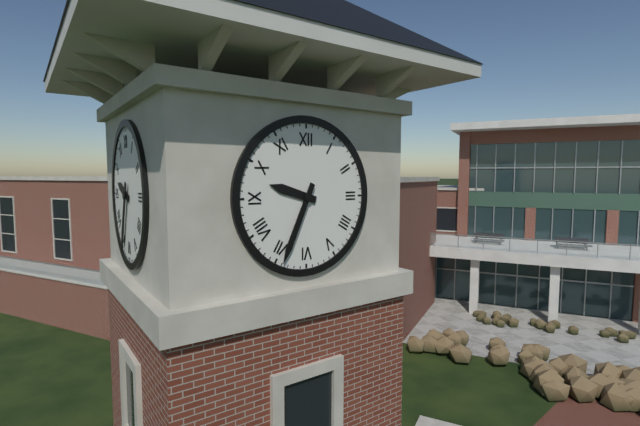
h=9 m=34
